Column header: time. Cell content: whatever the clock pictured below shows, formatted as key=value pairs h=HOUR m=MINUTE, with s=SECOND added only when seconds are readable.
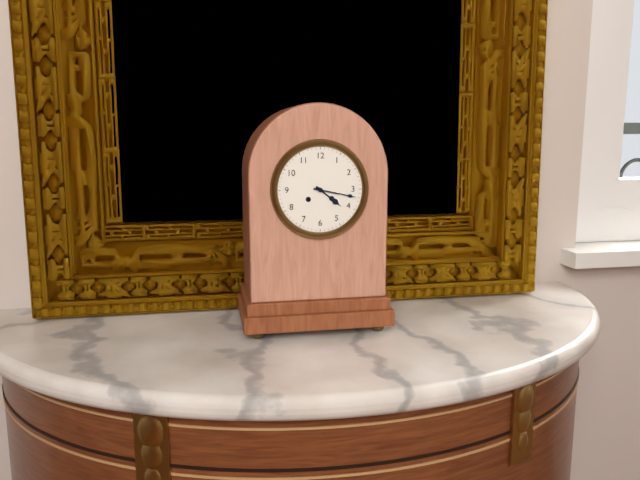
h=4 m=17
